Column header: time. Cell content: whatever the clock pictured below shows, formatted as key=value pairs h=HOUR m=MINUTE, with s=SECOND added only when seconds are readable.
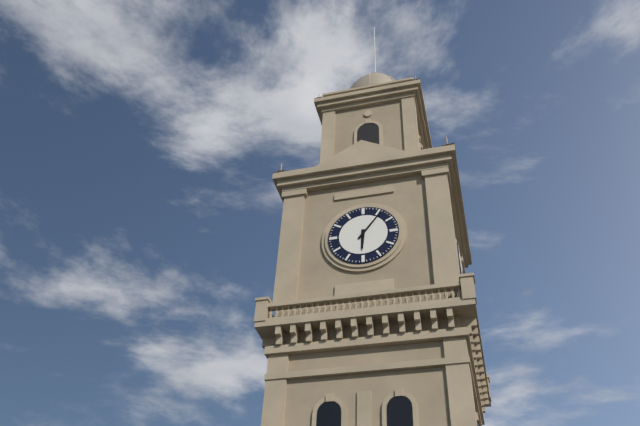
h=6 m=6
